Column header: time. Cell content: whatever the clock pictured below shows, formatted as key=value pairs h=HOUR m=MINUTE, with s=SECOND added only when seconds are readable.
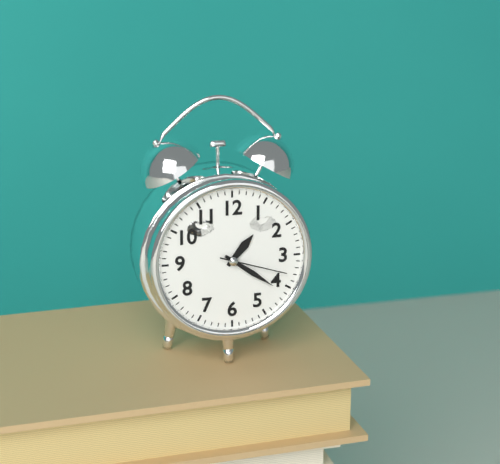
h=1 m=21 s=18
